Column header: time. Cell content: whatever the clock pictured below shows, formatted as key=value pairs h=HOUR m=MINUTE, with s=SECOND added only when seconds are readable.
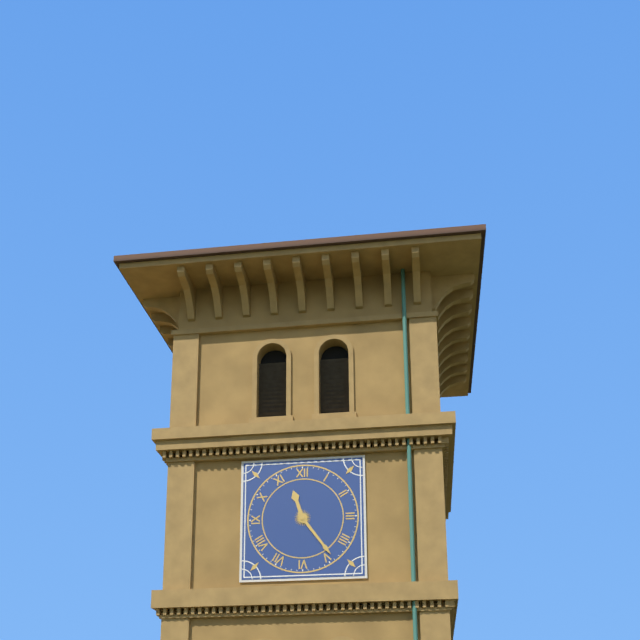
h=11 m=24
